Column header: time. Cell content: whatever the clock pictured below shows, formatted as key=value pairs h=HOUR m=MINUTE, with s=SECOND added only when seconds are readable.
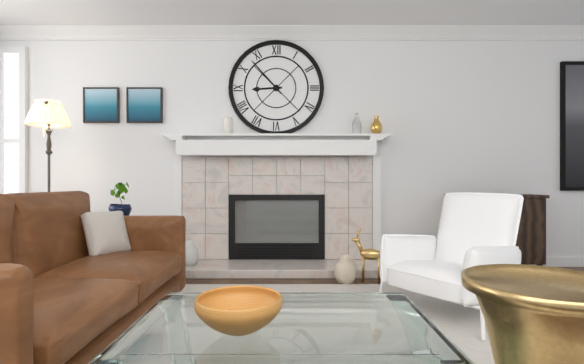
h=8 m=53
